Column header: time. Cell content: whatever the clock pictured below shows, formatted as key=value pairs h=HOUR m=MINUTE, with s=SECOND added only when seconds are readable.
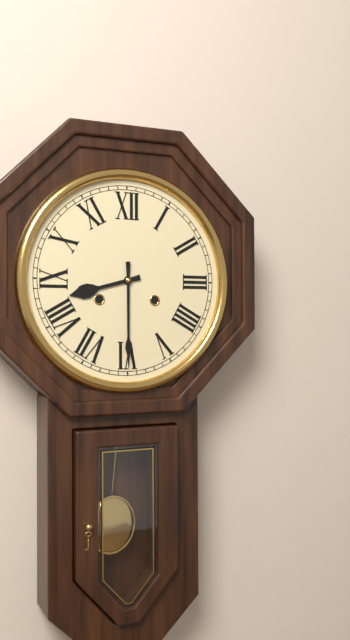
h=8 m=30
